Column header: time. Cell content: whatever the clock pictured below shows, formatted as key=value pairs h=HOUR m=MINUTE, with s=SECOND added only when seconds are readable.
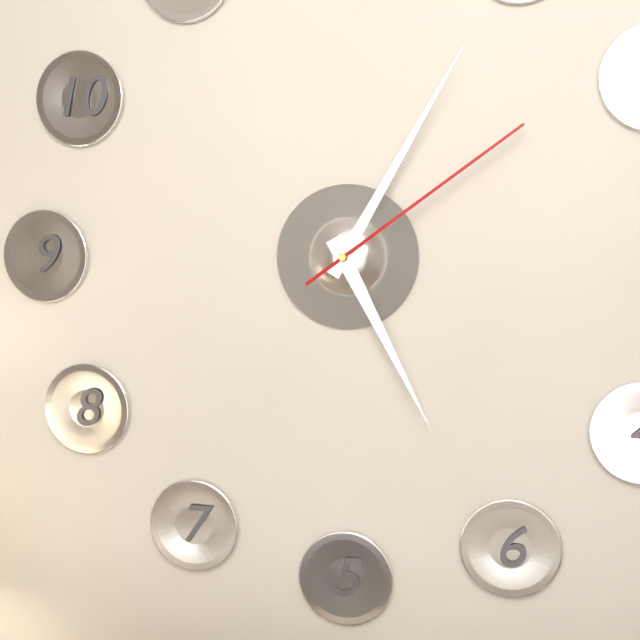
h=5 m=5 s=9
